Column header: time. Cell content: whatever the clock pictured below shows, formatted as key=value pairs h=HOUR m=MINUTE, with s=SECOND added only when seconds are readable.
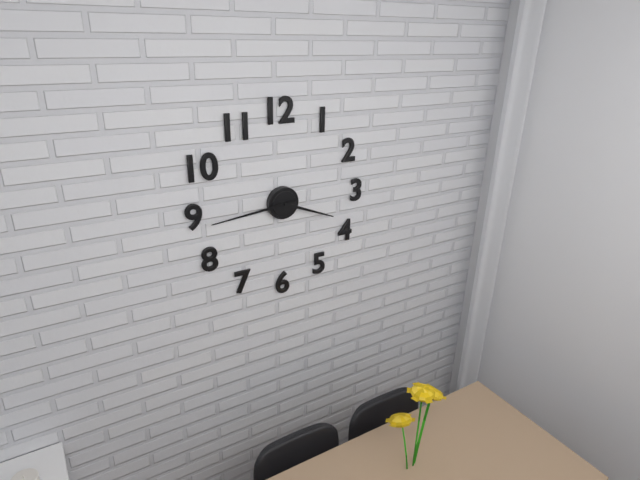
h=3 m=44
